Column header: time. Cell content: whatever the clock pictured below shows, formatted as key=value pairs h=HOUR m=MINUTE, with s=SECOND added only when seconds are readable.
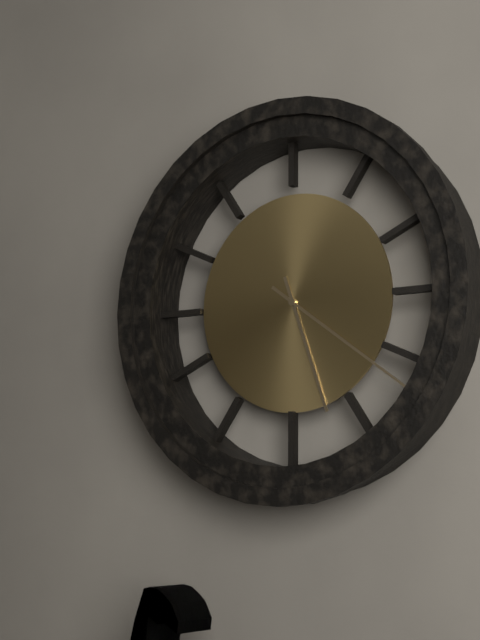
h=5 m=21
